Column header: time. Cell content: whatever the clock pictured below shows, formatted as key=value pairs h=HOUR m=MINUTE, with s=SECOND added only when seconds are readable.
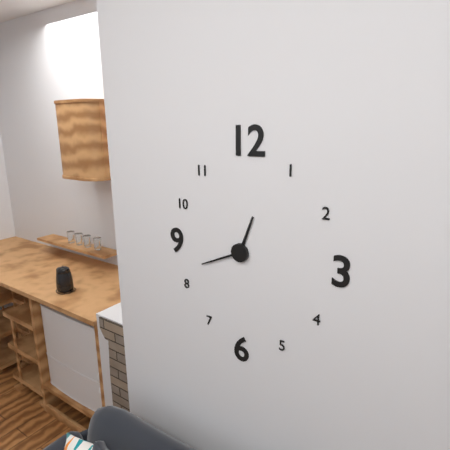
h=12 m=41
